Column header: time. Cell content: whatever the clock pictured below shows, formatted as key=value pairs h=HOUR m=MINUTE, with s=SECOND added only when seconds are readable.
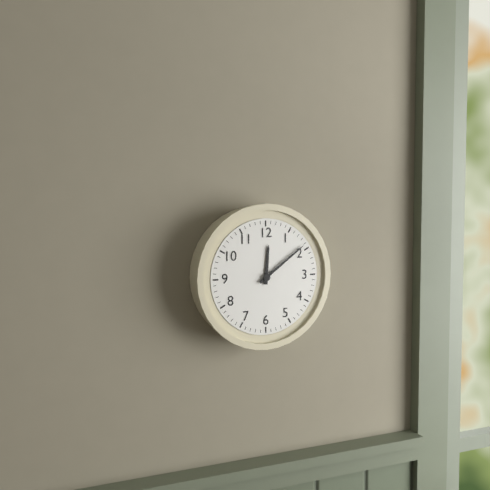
h=12 m=9
